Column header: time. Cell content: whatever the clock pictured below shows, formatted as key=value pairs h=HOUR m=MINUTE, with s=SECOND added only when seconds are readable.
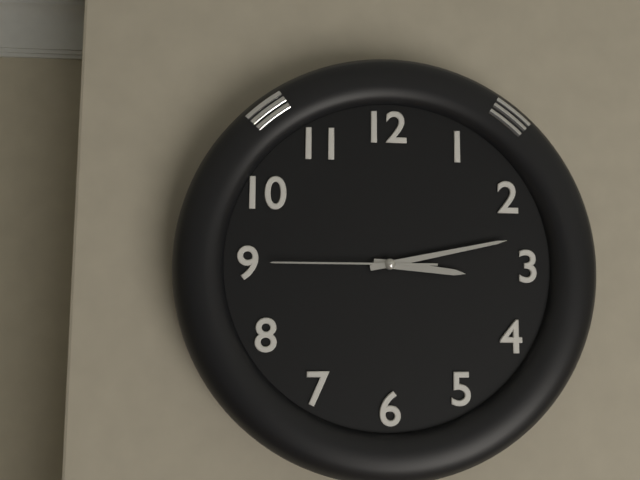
h=3 m=13 s=45
